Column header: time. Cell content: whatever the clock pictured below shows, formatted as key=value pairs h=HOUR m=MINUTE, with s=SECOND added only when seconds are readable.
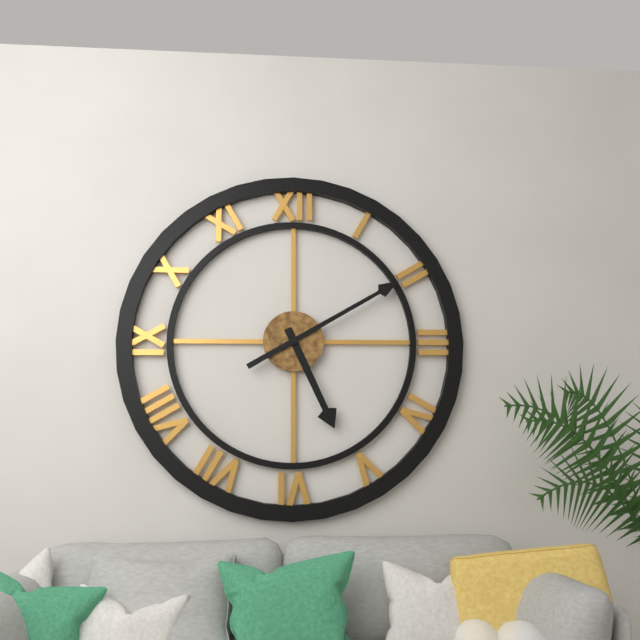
h=5 m=10
